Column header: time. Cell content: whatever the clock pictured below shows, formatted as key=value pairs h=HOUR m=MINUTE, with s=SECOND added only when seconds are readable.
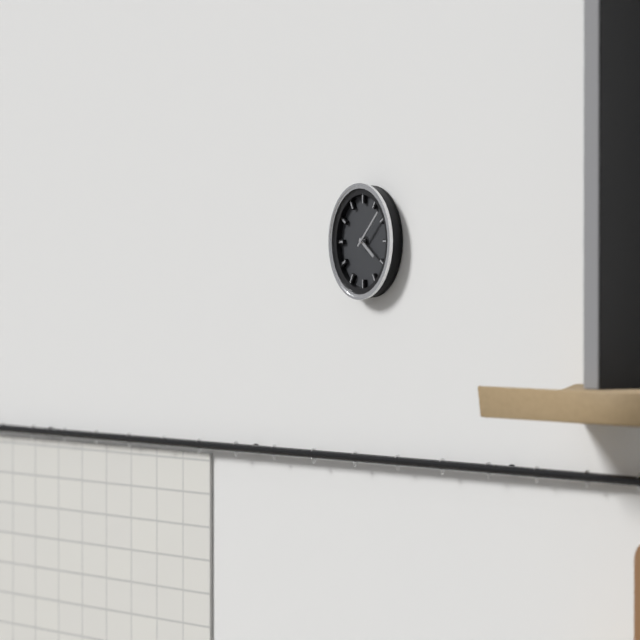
h=4 m=8
